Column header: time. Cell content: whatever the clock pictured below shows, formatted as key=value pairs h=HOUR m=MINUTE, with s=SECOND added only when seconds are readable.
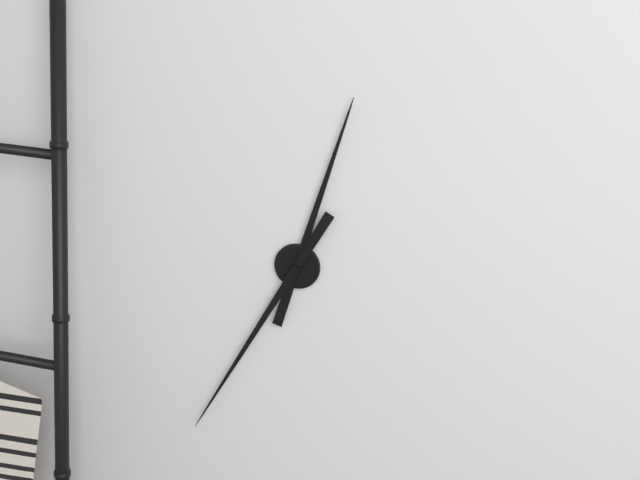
h=12 m=35
